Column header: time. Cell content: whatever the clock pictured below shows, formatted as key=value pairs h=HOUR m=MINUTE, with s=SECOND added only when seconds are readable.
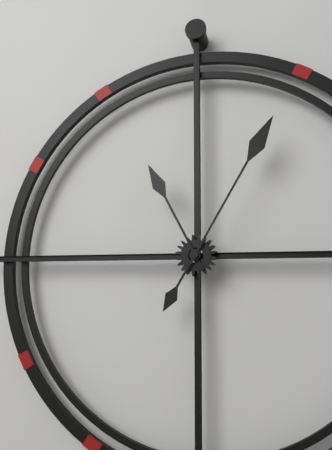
h=11 m=5
